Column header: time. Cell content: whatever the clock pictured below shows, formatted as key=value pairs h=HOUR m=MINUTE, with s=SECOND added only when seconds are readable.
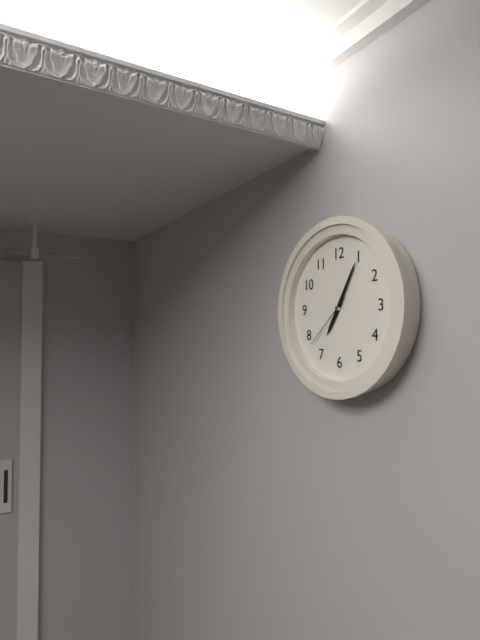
h=7 m=5 s=38
